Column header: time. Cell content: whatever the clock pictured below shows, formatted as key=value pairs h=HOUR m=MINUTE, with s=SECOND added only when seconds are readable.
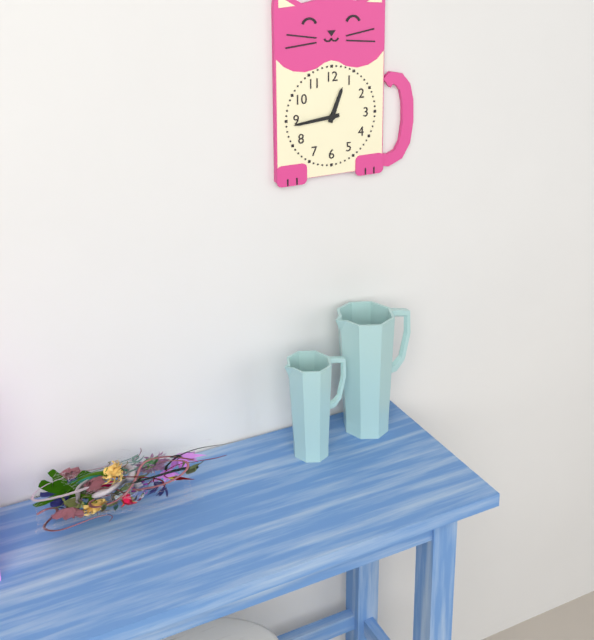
h=12 m=44
